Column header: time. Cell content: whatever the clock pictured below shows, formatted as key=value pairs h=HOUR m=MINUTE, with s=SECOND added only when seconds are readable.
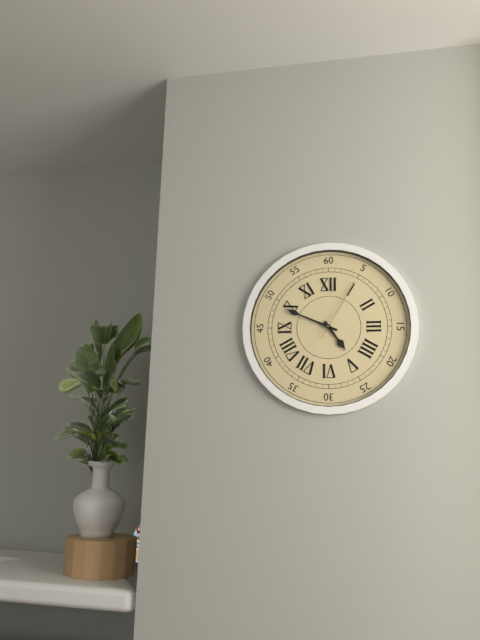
h=4 m=49 s=5
